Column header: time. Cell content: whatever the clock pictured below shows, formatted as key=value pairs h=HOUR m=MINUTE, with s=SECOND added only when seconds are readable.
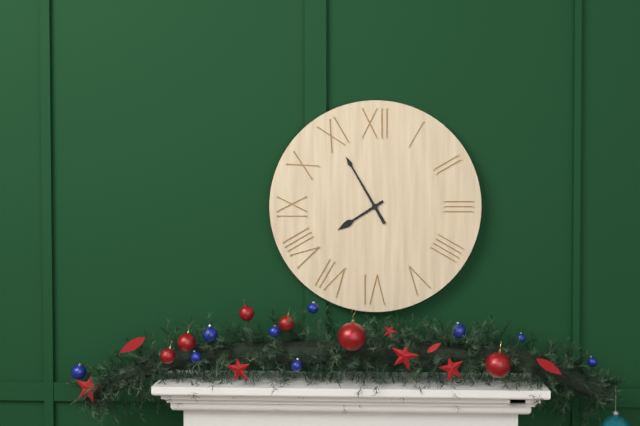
h=7 m=55
